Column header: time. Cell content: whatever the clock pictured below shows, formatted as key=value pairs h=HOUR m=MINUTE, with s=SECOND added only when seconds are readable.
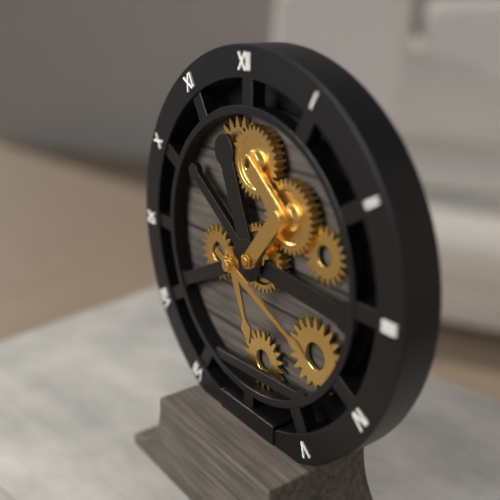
h=5 m=19
